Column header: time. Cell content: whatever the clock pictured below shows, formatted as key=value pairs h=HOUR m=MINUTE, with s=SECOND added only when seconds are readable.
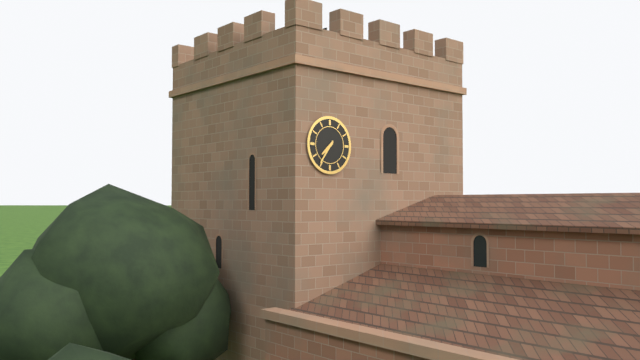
h=7 m=36
